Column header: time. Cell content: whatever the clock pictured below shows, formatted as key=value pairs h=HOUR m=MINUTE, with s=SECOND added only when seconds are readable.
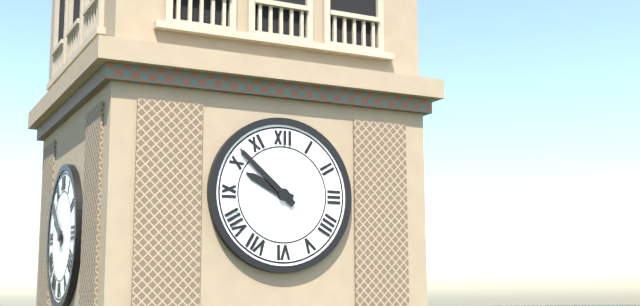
h=9 m=52
